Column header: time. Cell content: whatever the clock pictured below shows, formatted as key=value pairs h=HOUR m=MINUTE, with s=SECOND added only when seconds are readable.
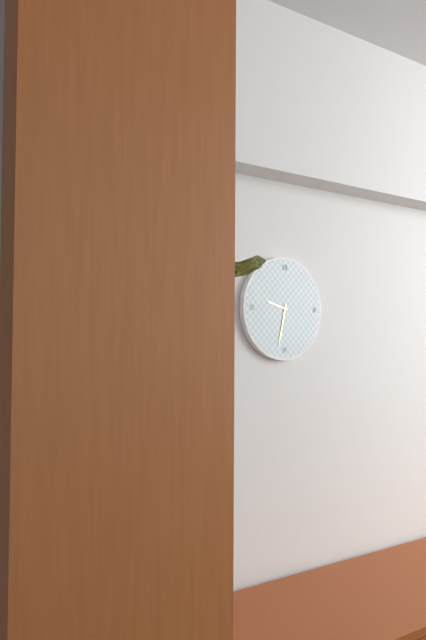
h=9 m=32
